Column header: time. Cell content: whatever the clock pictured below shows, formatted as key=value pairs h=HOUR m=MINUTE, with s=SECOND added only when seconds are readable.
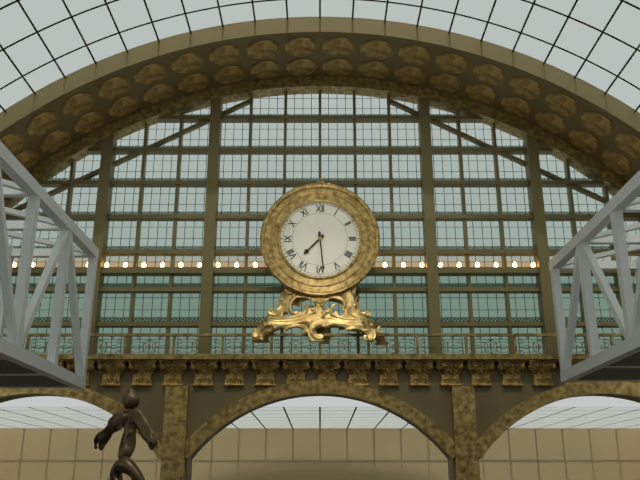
h=7 m=29
